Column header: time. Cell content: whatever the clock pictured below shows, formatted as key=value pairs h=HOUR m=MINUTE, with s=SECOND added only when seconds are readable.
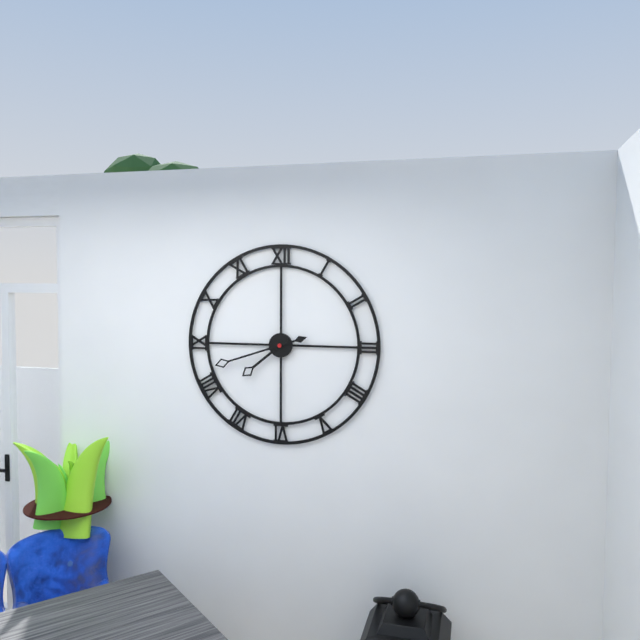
h=7 m=42
